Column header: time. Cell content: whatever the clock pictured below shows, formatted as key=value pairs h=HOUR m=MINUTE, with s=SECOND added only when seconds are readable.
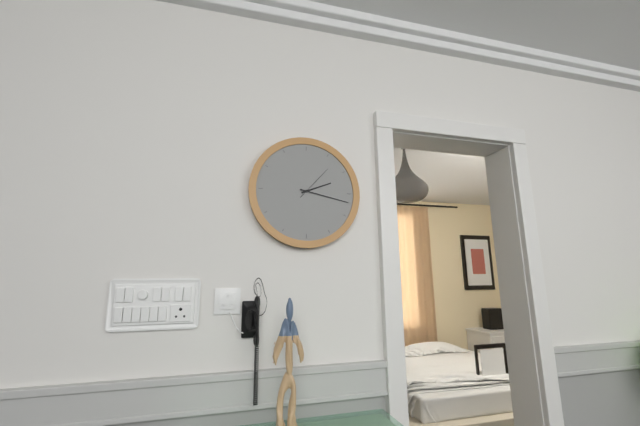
h=2 m=17
